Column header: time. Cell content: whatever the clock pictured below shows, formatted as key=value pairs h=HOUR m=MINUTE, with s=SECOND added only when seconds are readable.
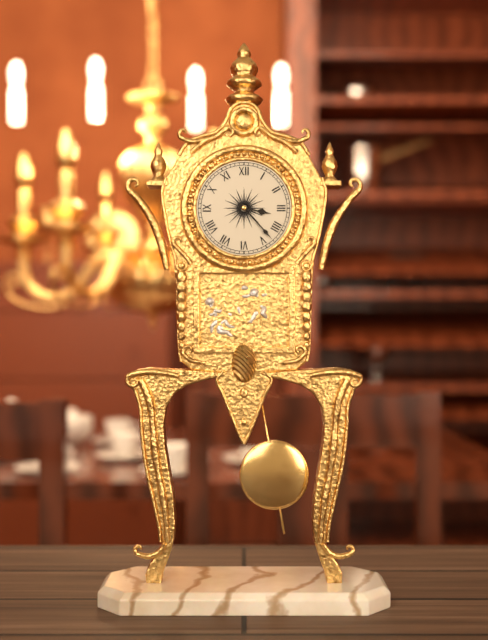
h=3 m=23
